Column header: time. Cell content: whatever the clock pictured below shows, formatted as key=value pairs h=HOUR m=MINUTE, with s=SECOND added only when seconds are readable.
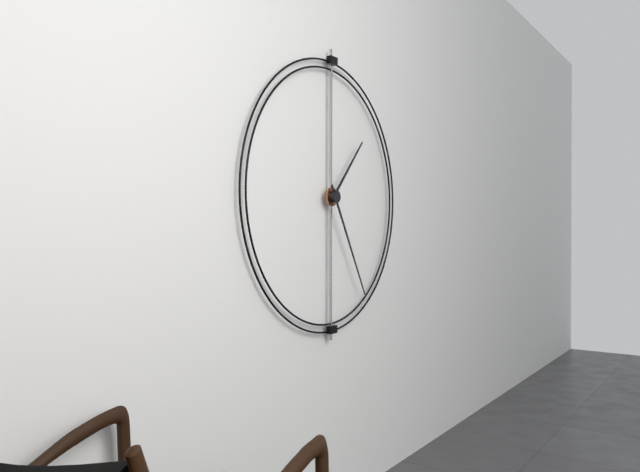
h=1 m=25
